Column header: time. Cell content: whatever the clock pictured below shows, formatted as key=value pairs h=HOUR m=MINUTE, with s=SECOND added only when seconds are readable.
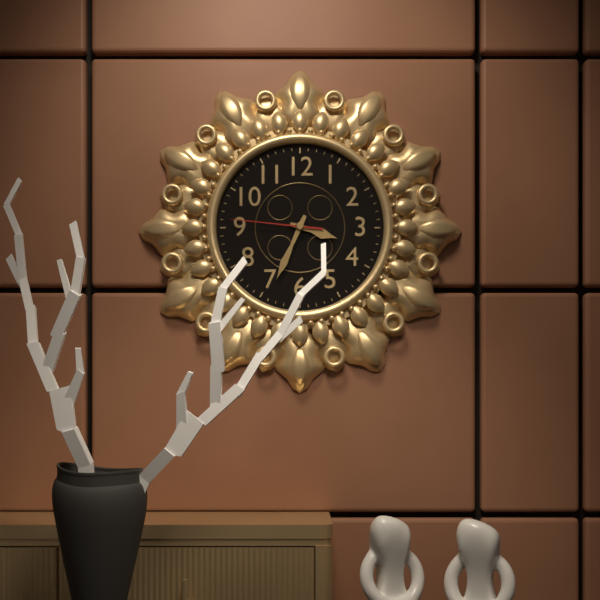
h=3 m=34 s=46
